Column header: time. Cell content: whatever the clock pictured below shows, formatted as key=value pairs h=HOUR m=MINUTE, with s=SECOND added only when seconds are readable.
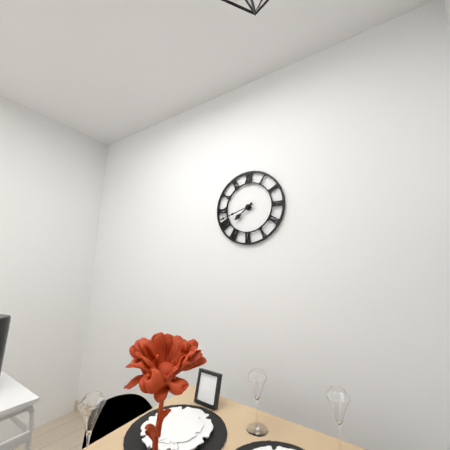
h=7 m=42
